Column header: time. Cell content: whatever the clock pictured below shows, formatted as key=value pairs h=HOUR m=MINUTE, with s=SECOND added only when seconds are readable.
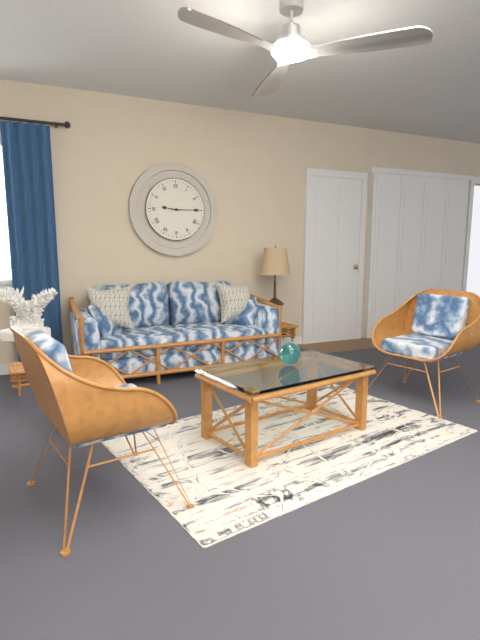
h=9 m=15
